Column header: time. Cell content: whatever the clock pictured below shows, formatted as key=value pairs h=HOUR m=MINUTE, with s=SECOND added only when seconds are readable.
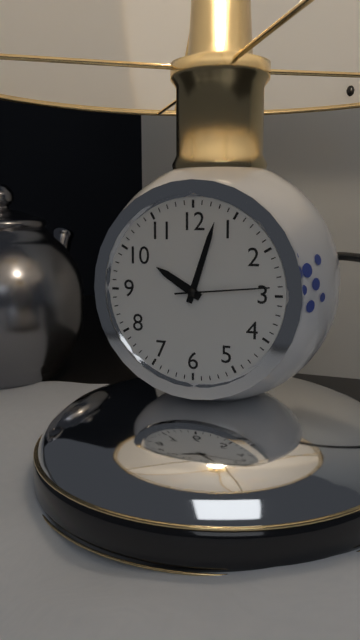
h=10 m=3 s=14
